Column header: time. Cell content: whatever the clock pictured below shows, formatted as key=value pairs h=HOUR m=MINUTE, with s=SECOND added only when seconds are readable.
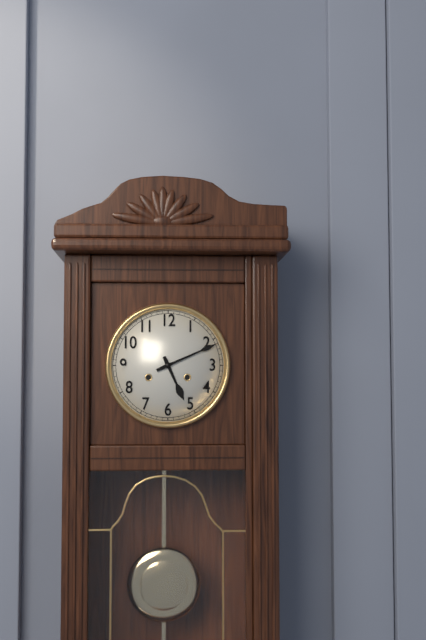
h=5 m=11
